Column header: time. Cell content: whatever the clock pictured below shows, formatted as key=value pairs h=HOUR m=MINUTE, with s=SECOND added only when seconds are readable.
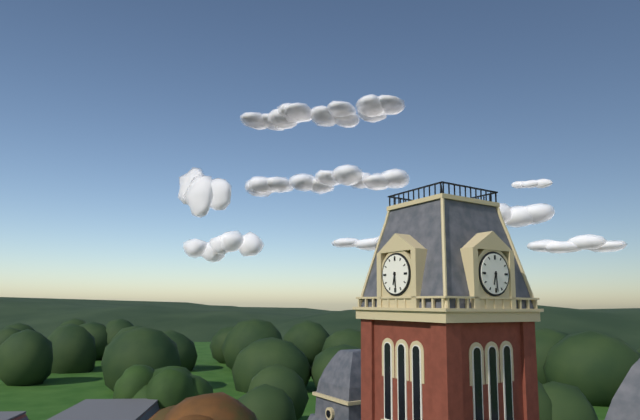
h=6 m=29
